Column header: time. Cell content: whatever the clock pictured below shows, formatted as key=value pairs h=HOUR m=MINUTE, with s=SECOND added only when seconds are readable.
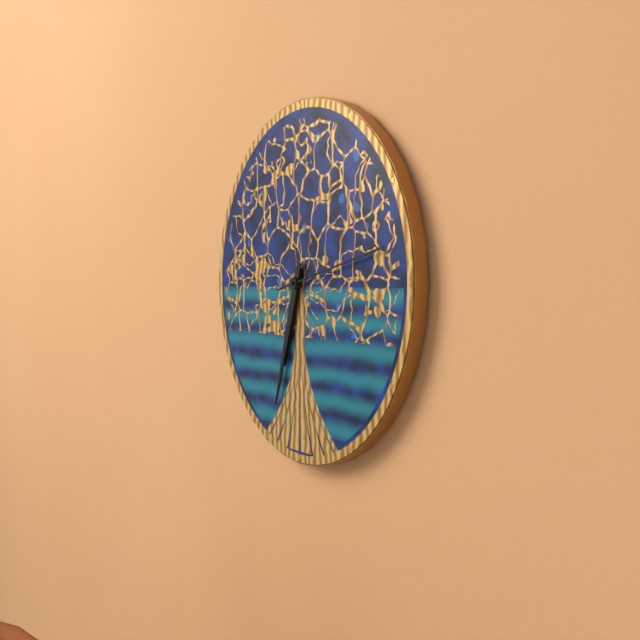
h=6 m=33 s=13
